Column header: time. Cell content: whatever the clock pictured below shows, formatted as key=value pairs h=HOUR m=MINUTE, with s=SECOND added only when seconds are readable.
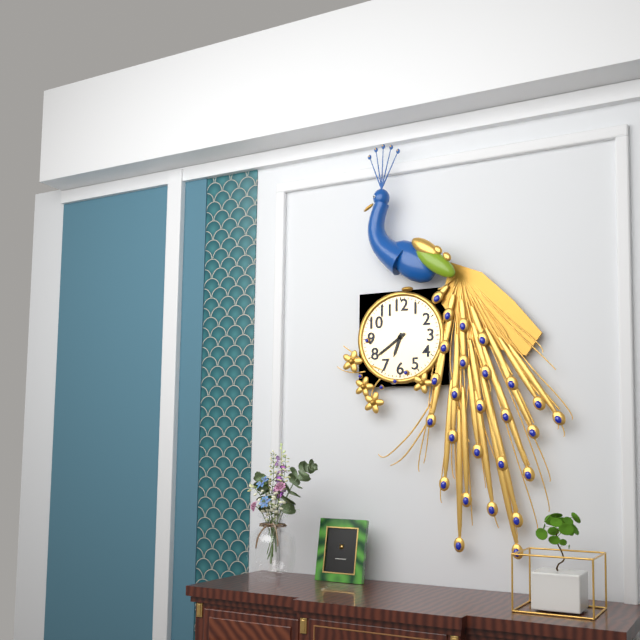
h=6 m=39
